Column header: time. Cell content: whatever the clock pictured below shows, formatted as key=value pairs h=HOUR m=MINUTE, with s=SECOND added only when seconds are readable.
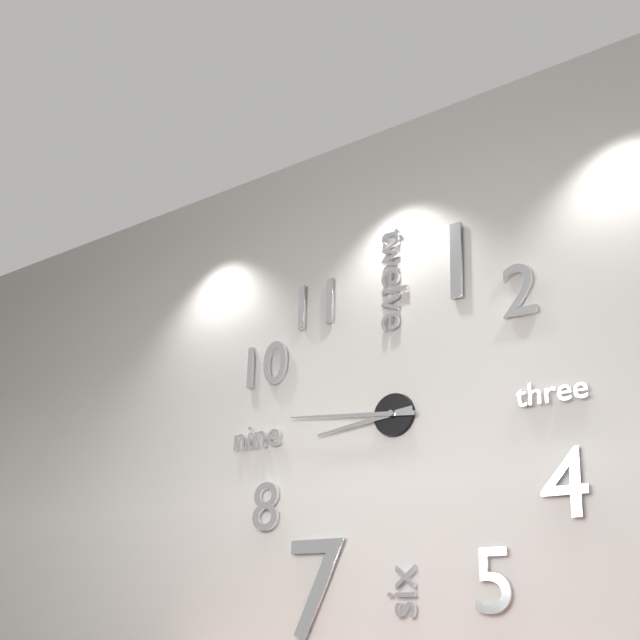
h=8 m=46
